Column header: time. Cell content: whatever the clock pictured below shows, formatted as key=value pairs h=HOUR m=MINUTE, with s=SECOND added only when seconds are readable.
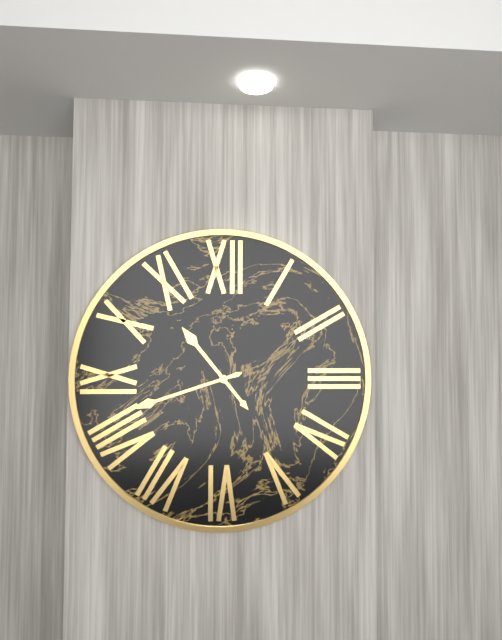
h=10 m=42
